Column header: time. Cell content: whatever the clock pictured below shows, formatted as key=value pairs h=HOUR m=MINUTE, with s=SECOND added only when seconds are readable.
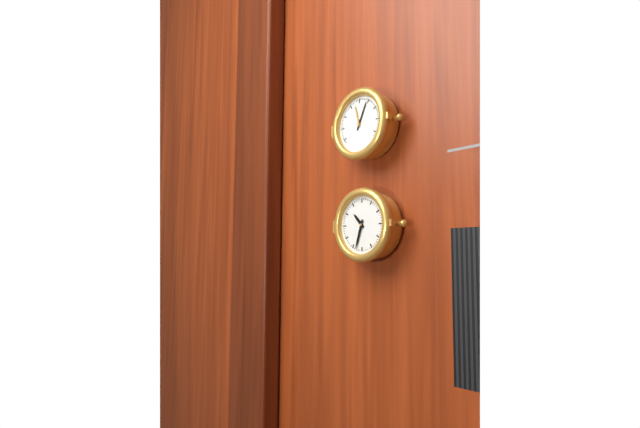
h=10 m=33
